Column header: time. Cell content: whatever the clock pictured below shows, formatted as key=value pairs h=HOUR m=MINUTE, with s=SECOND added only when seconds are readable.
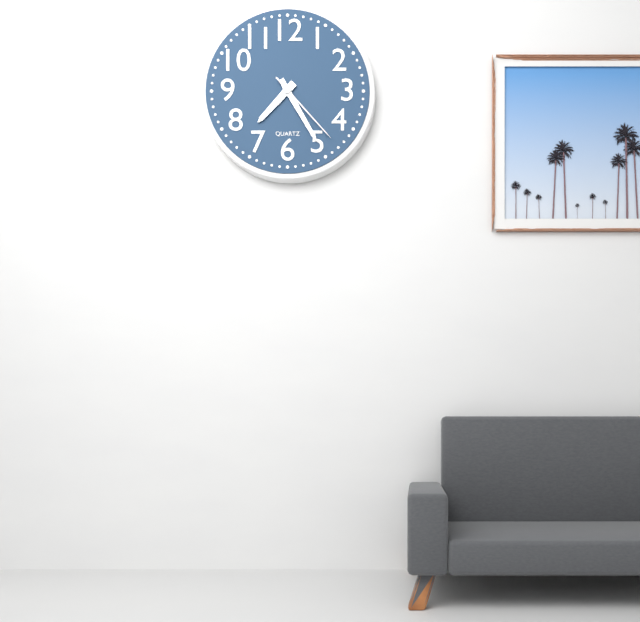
h=7 m=25 s=23
